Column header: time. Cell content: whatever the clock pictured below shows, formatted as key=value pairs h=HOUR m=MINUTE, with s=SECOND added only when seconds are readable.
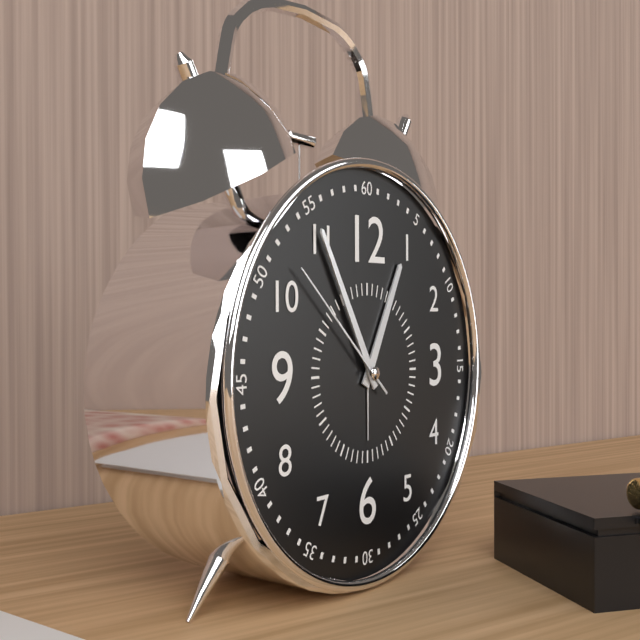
h=12 m=55 s=52
